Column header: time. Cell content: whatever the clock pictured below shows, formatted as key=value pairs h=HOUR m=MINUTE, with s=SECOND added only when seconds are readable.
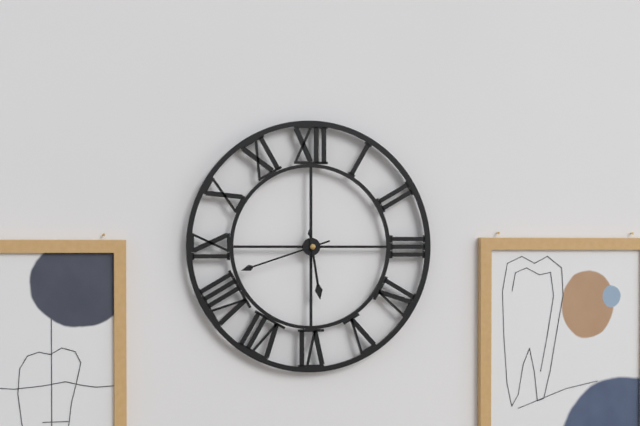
h=5 m=42
